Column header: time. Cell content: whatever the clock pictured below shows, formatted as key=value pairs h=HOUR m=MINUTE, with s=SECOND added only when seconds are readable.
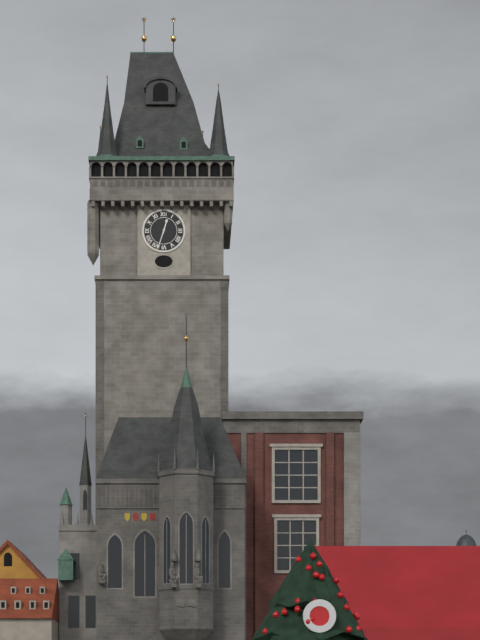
h=12 m=33
